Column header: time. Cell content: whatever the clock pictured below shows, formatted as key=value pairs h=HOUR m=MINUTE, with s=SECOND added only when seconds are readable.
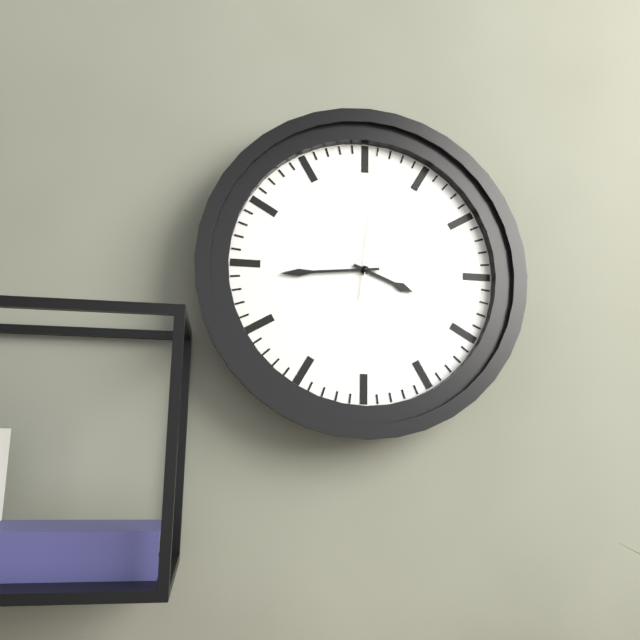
h=3 m=44 s=1
